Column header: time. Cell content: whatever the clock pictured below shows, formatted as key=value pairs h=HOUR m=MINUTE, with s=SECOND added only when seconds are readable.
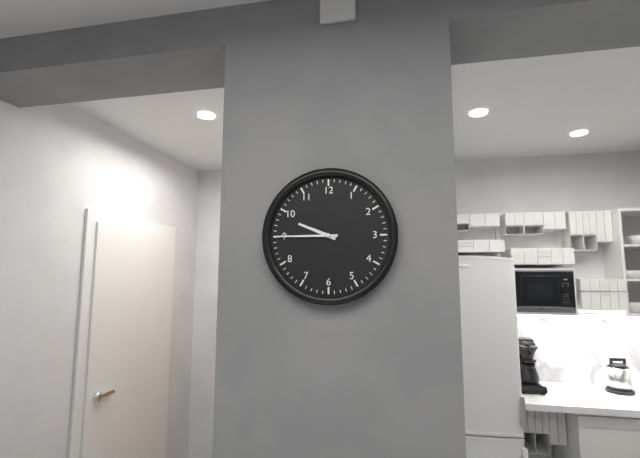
h=9 m=45
